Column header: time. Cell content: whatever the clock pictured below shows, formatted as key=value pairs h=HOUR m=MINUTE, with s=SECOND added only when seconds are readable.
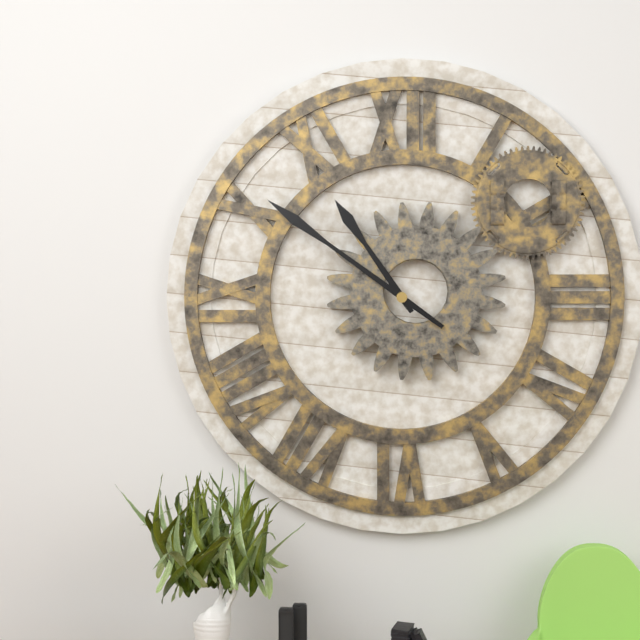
h=10 m=51
